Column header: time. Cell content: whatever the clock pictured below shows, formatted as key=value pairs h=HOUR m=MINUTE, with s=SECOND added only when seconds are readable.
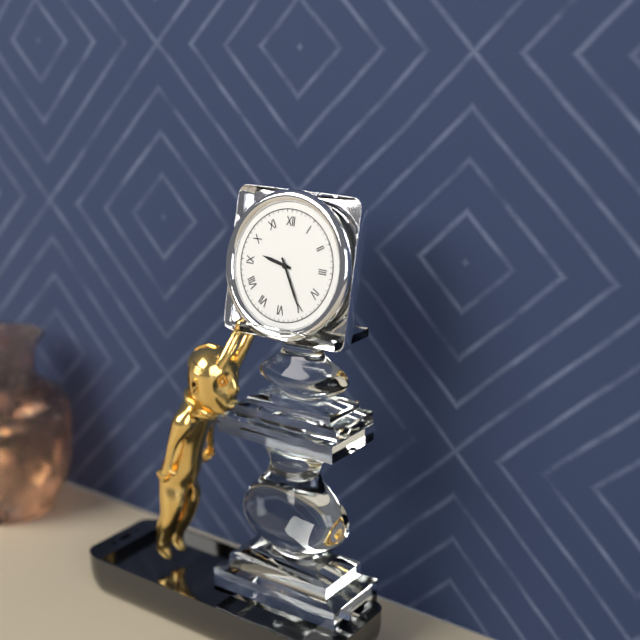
h=9 m=25
